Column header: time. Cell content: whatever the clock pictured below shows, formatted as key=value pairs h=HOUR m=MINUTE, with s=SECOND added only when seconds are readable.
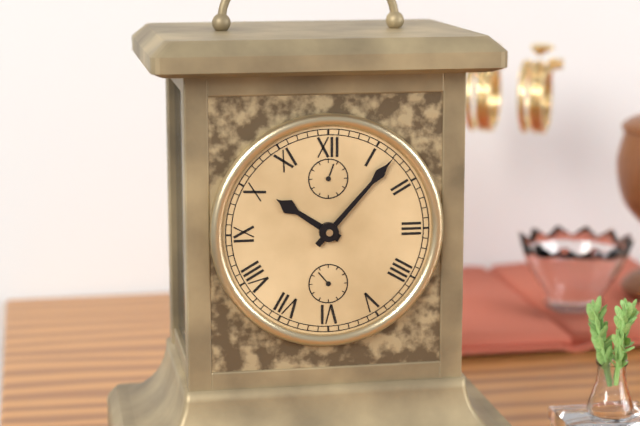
h=10 m=7
